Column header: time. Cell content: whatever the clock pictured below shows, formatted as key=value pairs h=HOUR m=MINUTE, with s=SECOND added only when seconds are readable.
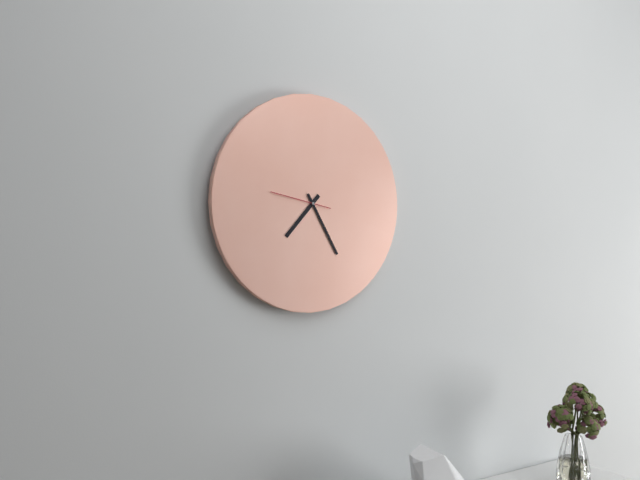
h=7 m=25 s=47
